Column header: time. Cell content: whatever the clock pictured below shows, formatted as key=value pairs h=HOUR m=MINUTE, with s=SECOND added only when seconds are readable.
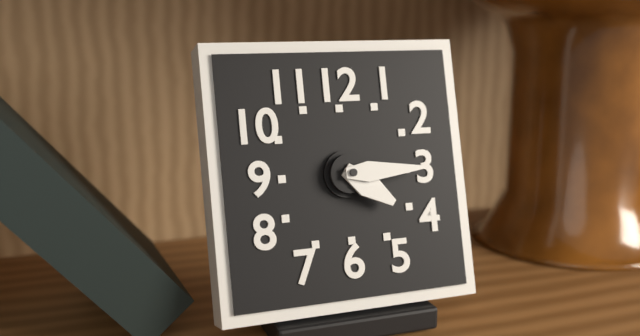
h=4 m=15
